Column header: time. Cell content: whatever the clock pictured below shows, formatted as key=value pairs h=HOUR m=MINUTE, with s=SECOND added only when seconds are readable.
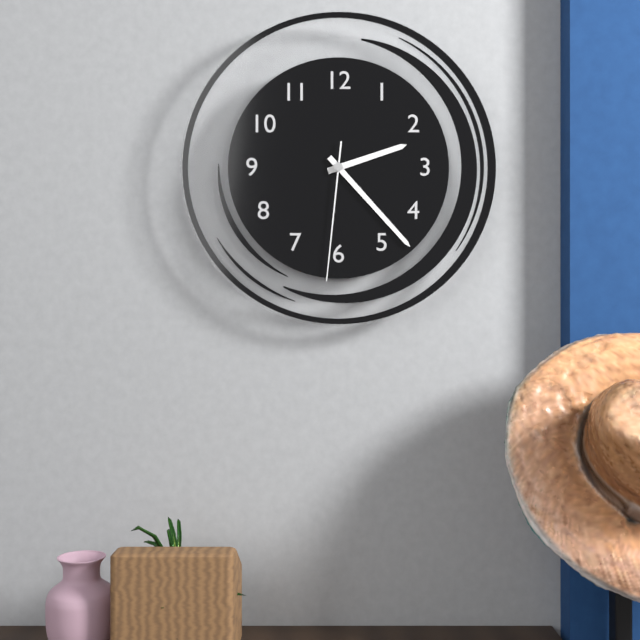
h=2 m=23 s=31
